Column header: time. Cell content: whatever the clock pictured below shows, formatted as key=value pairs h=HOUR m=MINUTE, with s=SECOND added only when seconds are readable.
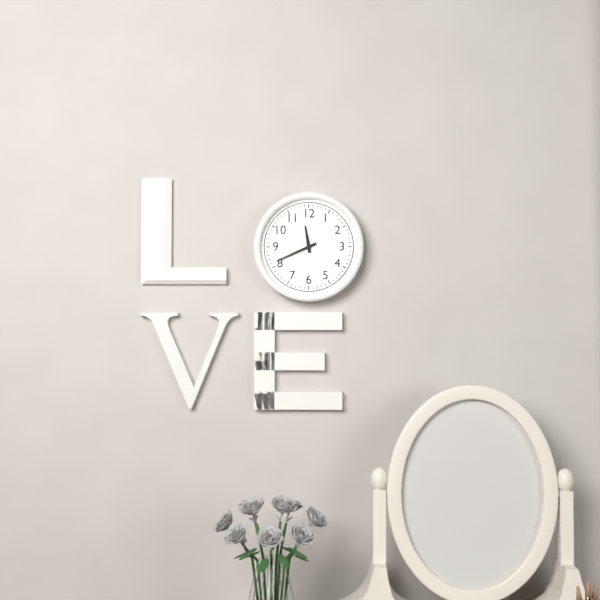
h=11 m=41
